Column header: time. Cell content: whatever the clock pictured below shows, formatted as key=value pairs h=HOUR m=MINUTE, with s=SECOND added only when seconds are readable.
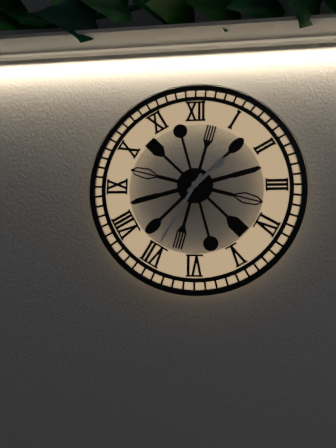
h=1 m=35
